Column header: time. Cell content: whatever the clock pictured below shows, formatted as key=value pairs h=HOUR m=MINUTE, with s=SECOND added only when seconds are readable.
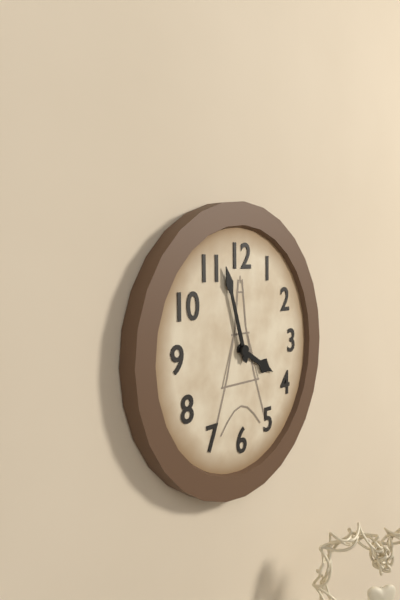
h=3 m=57
